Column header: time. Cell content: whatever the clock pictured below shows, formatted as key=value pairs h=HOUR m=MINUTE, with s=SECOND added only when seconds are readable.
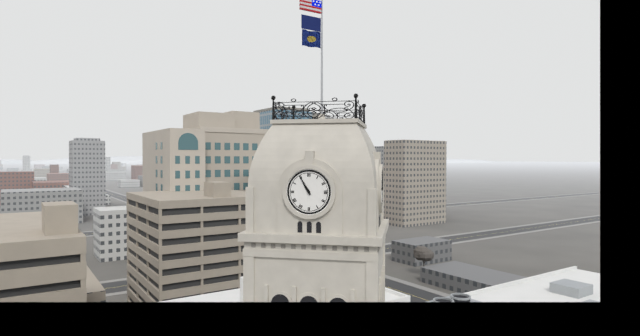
h=10 m=55
